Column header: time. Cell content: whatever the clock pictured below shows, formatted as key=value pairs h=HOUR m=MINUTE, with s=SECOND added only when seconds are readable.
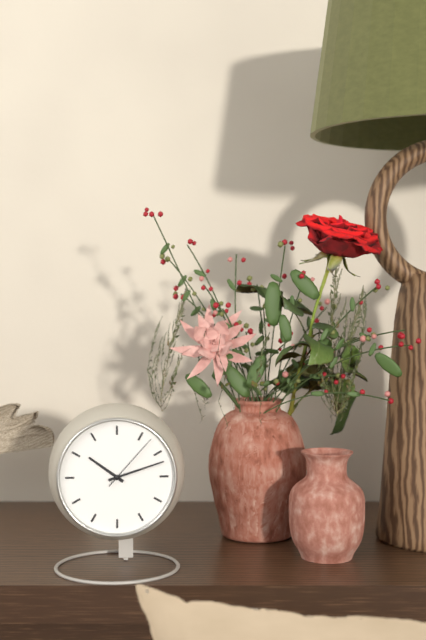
h=10 m=12 s=7
